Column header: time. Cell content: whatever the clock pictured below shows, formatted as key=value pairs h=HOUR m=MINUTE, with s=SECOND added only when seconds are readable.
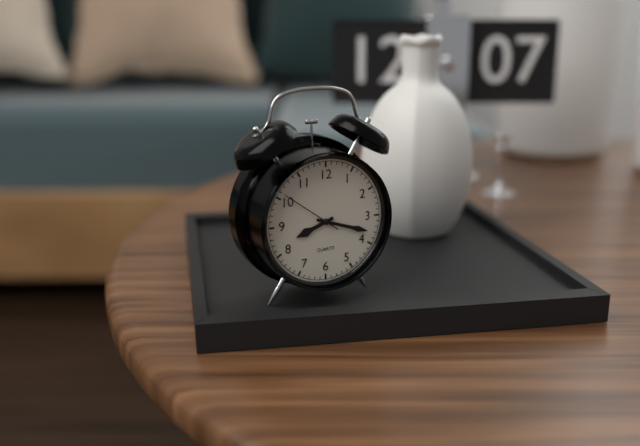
h=8 m=18 s=51
